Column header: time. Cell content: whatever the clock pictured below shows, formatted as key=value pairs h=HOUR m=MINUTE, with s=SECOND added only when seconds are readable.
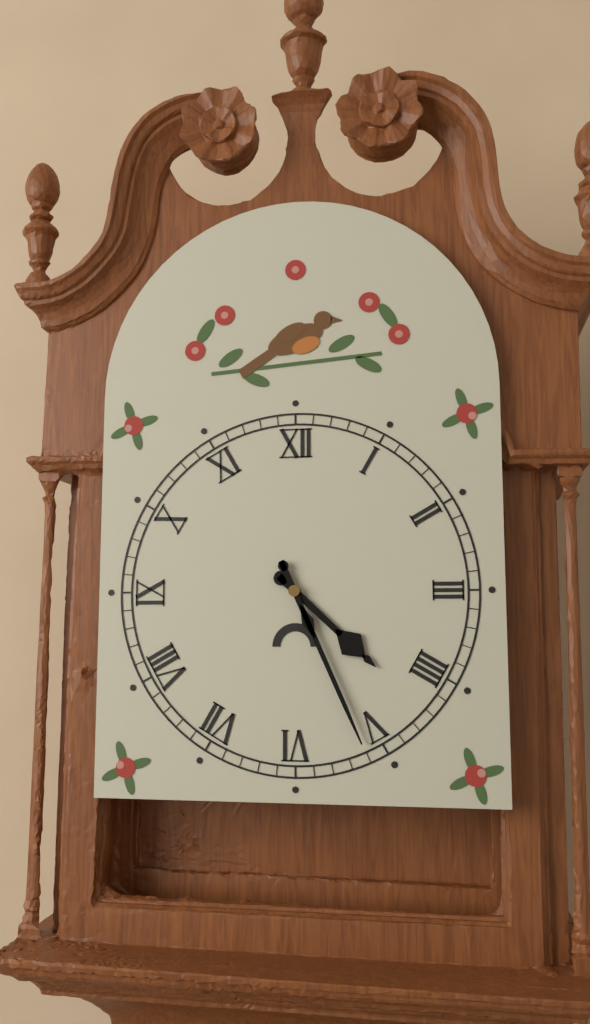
h=4 m=26
